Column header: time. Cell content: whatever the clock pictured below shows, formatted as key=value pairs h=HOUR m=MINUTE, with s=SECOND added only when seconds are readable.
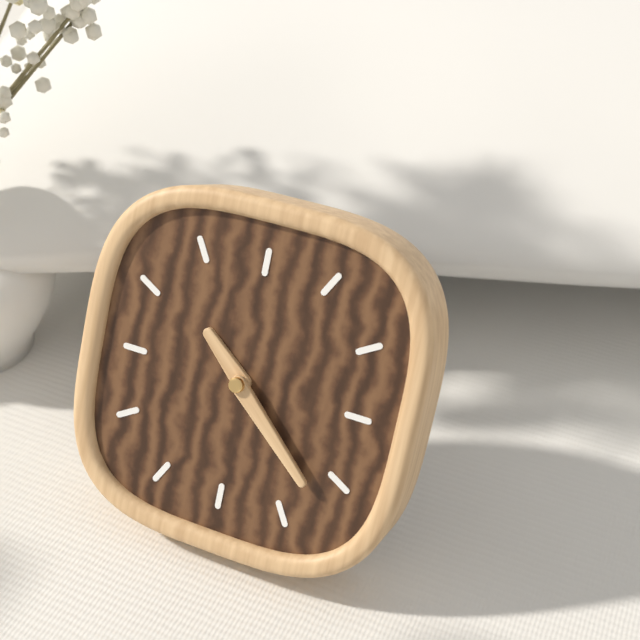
h=10 m=22
